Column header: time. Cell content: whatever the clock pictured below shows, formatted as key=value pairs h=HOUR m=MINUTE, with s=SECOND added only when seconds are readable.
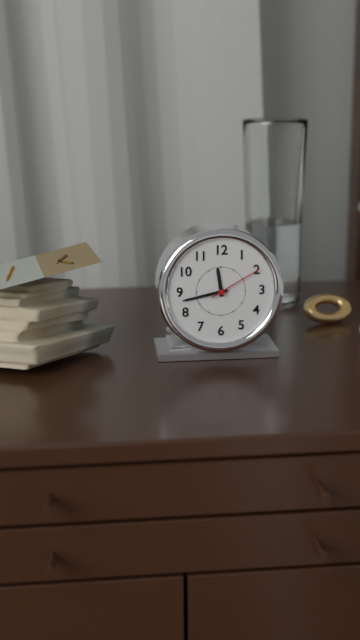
h=11 m=43 s=10
